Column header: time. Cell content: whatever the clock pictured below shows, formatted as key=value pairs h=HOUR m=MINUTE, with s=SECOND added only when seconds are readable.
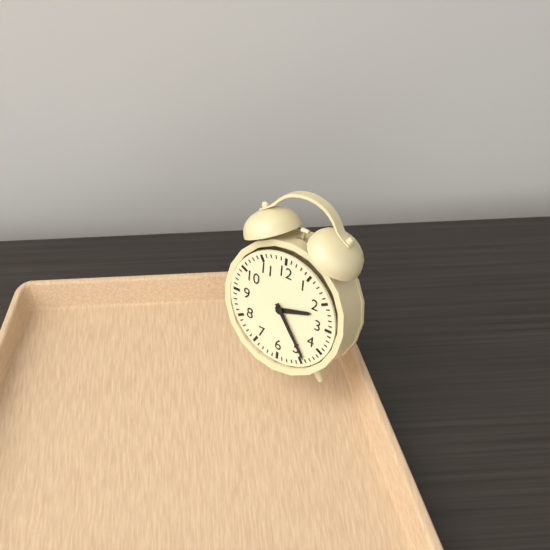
h=2 m=24
